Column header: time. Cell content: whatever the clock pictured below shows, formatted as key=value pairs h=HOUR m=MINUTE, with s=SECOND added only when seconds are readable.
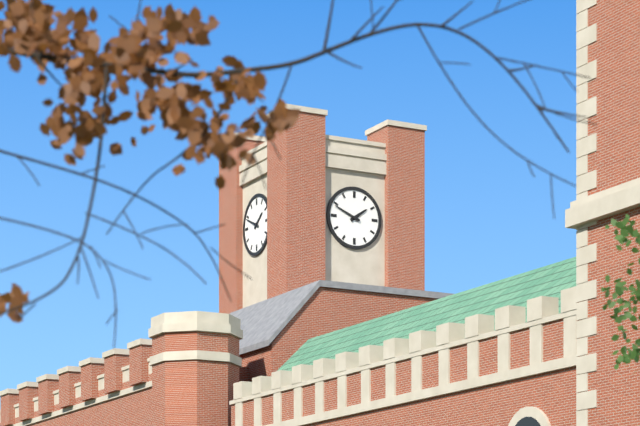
h=1 m=49
